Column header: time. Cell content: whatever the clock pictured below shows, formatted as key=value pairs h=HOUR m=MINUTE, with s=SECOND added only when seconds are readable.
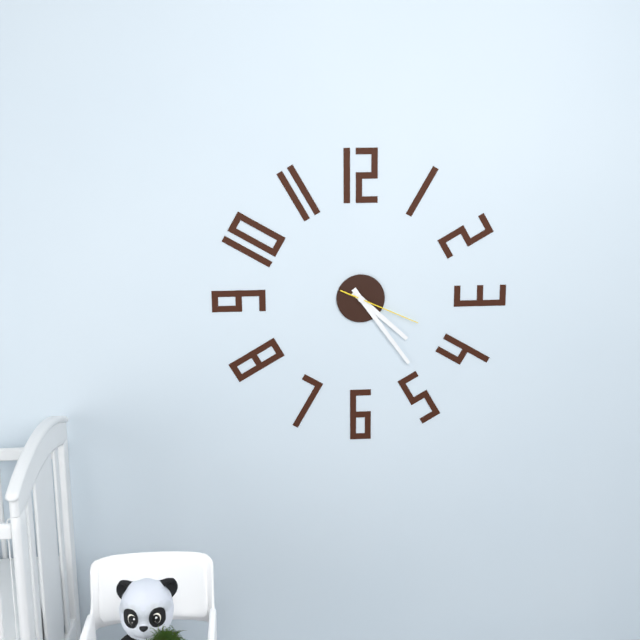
h=4 m=24 s=19
